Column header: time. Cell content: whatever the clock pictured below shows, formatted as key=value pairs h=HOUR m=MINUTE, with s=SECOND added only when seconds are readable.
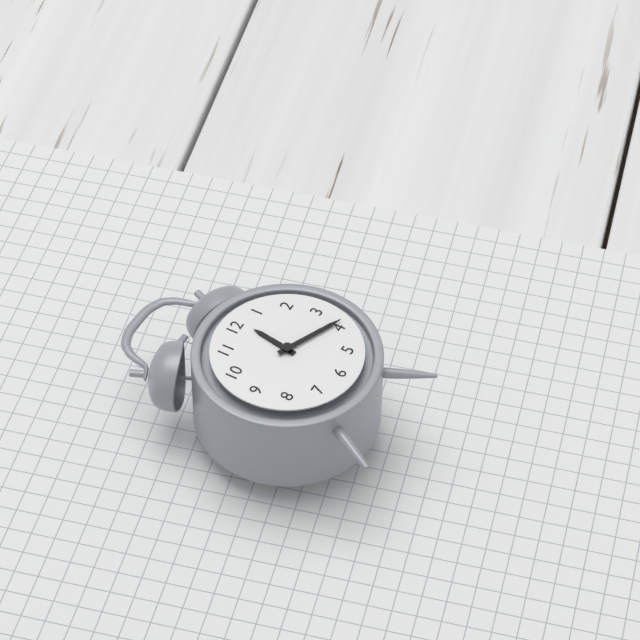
h=12 m=19
